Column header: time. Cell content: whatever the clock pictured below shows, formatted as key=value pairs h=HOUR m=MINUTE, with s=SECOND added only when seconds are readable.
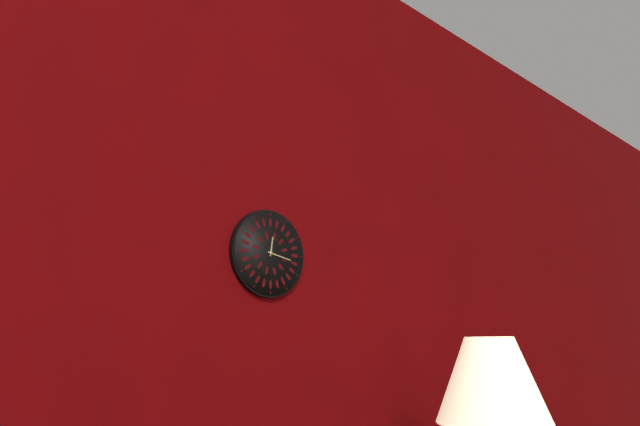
h=12 m=17
